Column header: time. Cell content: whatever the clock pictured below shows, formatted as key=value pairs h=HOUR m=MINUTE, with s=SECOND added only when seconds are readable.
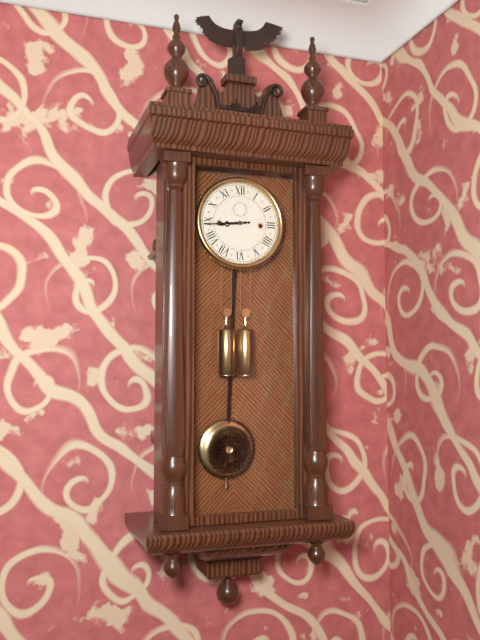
h=8 m=44
